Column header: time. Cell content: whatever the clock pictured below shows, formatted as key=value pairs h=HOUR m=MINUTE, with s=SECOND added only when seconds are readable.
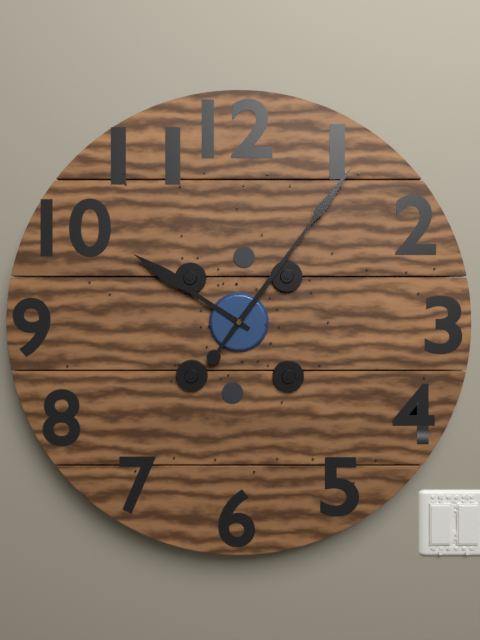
h=10 m=6
